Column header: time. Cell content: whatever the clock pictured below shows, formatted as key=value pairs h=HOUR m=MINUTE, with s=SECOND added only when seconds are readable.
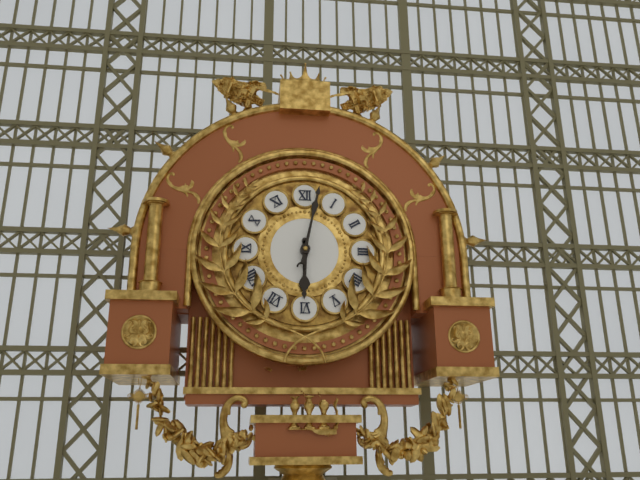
h=6 m=2
